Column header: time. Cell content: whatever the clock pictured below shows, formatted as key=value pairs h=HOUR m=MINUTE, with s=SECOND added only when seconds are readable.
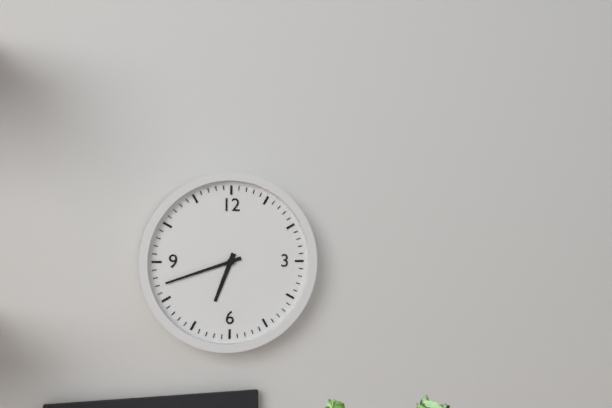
h=6 m=42
